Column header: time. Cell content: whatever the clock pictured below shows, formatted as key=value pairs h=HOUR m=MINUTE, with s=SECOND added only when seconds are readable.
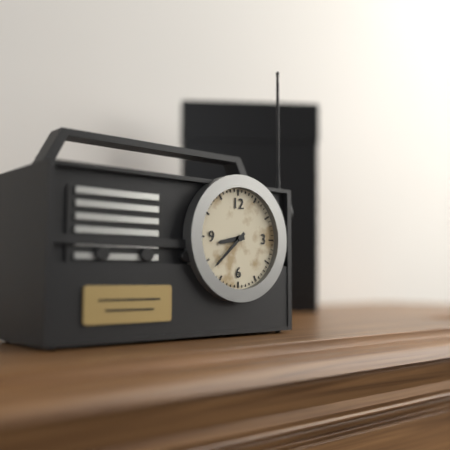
h=8 m=38
